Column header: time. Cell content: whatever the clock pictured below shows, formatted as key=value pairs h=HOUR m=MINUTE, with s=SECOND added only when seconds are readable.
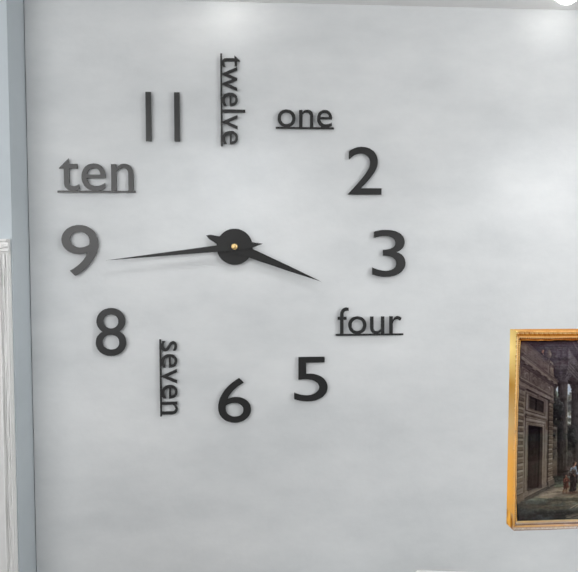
h=3 m=44
